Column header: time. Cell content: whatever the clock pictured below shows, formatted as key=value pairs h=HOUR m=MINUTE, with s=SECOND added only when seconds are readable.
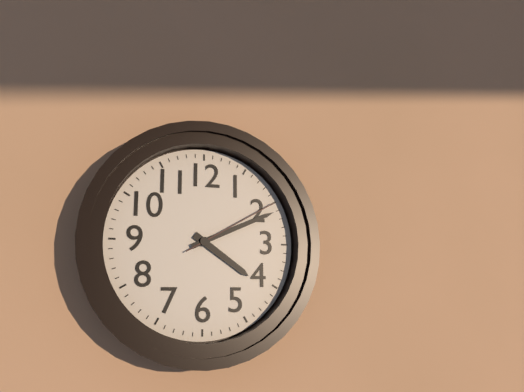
h=4 m=11 s=10
